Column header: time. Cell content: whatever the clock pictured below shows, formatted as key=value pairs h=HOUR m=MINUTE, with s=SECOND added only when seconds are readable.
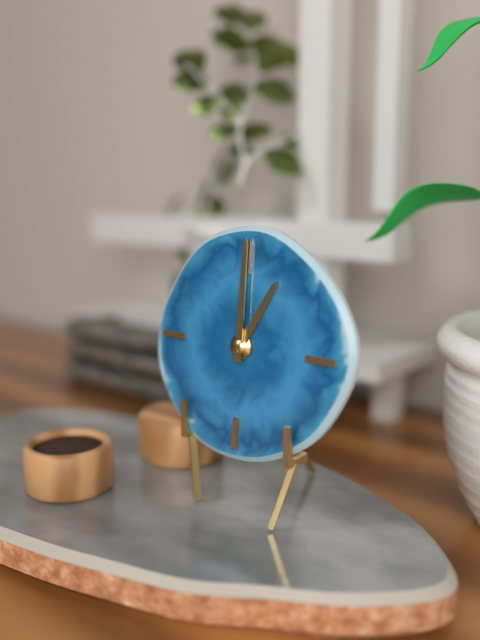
h=1 m=0
